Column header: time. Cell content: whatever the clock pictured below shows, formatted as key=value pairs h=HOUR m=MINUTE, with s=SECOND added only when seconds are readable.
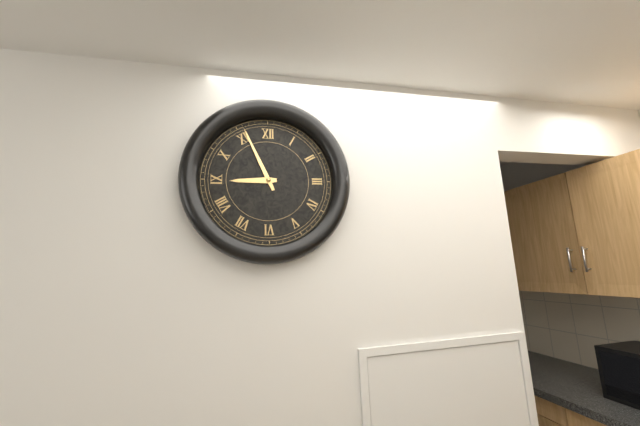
h=8 m=56
